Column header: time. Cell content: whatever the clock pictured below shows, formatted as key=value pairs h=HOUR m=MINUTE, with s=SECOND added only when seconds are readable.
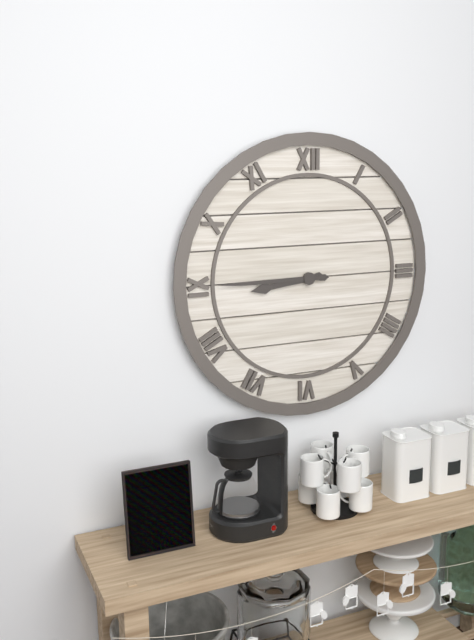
h=8 m=45
